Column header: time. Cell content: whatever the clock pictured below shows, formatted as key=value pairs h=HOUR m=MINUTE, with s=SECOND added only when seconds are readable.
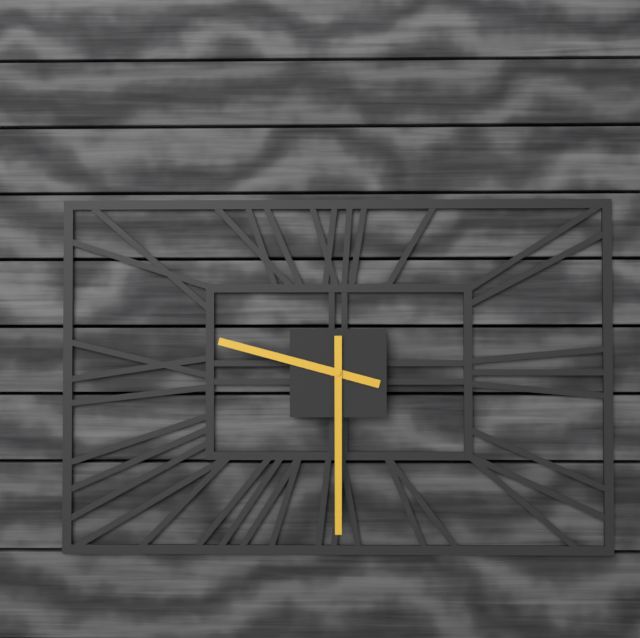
h=9 m=30
